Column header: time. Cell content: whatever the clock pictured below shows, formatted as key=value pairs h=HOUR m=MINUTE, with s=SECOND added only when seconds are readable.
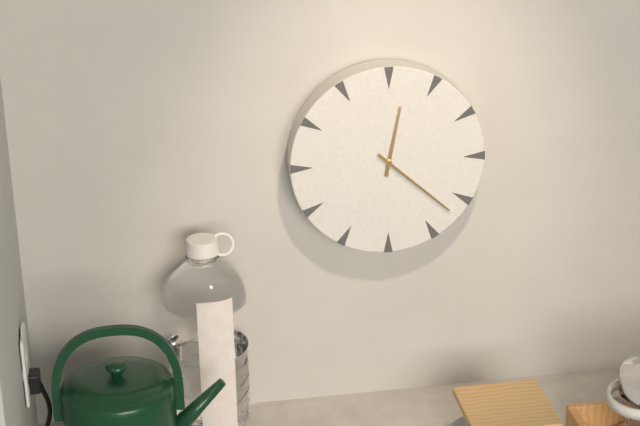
h=12 m=22
